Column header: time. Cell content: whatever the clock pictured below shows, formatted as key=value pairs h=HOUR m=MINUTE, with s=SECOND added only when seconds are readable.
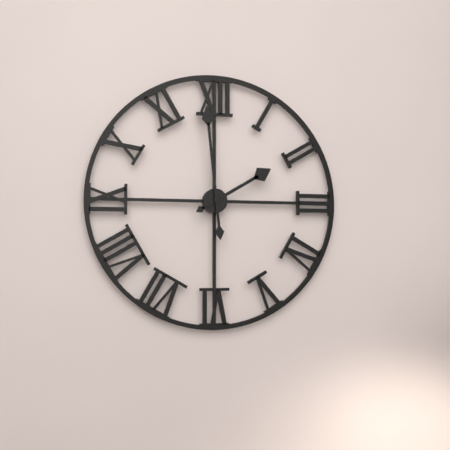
h=1 m=59
